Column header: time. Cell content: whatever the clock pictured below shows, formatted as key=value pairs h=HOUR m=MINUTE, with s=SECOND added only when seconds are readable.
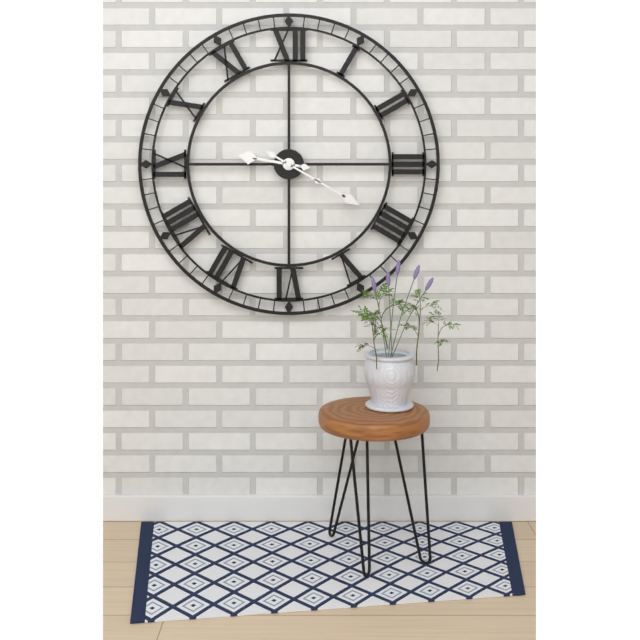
h=9 m=20
